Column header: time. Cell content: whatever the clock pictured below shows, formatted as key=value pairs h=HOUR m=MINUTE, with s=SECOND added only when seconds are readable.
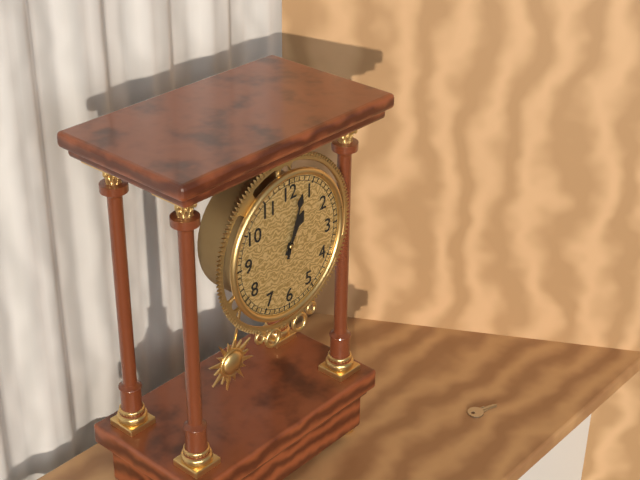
h=1 m=3
